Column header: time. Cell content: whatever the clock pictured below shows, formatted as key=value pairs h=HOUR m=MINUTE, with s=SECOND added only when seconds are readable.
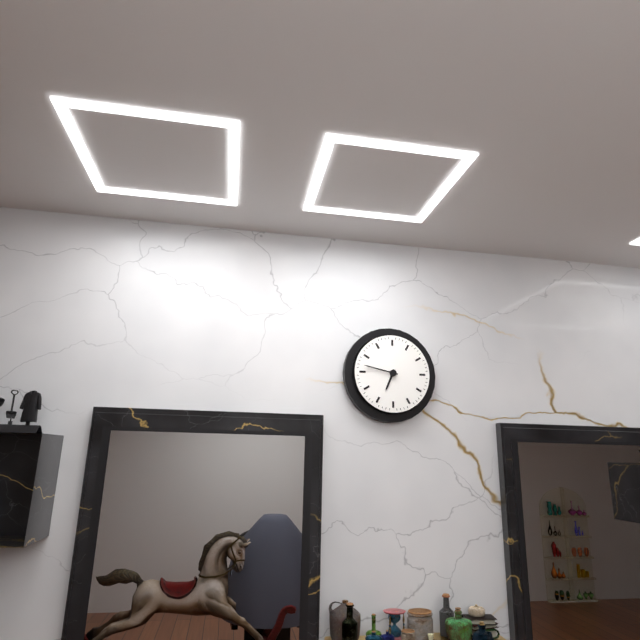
h=6 m=47
